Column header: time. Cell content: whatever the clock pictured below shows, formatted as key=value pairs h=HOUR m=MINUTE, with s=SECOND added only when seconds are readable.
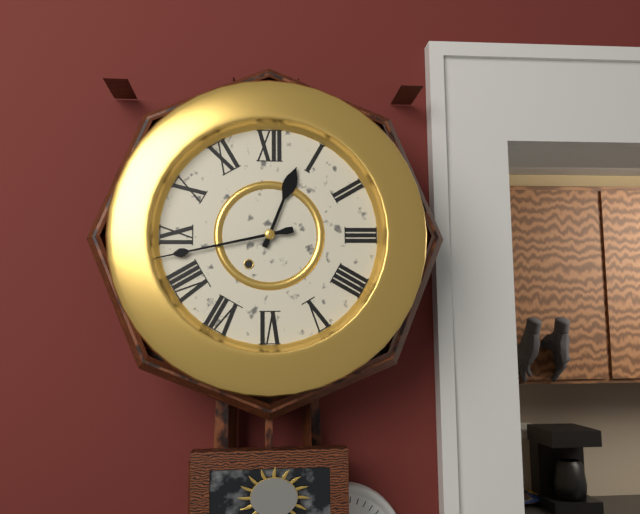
h=12 m=43
